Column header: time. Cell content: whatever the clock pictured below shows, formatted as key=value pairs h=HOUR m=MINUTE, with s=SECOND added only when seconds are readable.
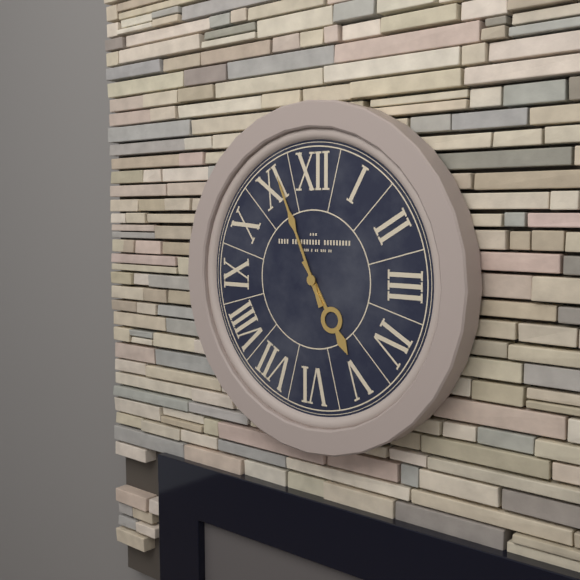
h=4 m=56
